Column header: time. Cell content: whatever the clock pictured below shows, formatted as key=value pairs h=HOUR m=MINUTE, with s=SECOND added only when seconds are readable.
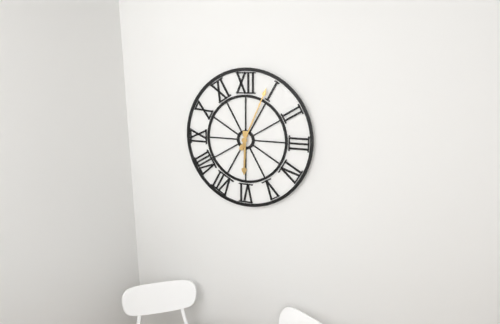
h=6 m=4
